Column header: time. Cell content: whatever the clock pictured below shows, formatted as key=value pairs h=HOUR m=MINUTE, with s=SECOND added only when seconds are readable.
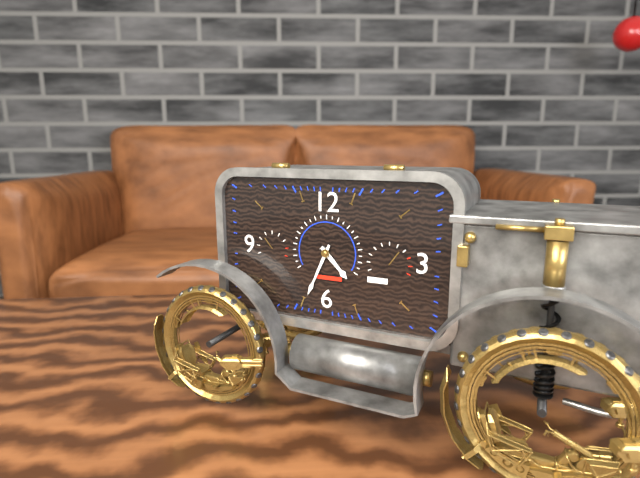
h=4 m=34
